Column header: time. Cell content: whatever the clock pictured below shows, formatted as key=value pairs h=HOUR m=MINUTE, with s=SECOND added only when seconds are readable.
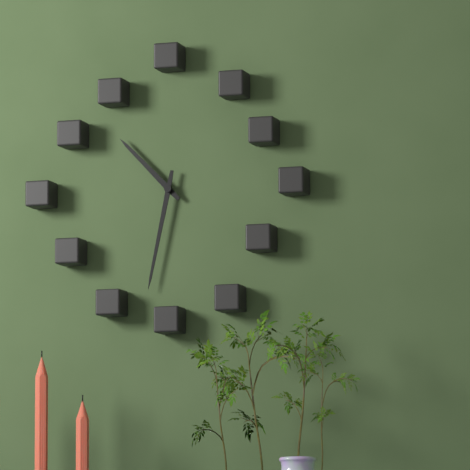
h=10 m=32
